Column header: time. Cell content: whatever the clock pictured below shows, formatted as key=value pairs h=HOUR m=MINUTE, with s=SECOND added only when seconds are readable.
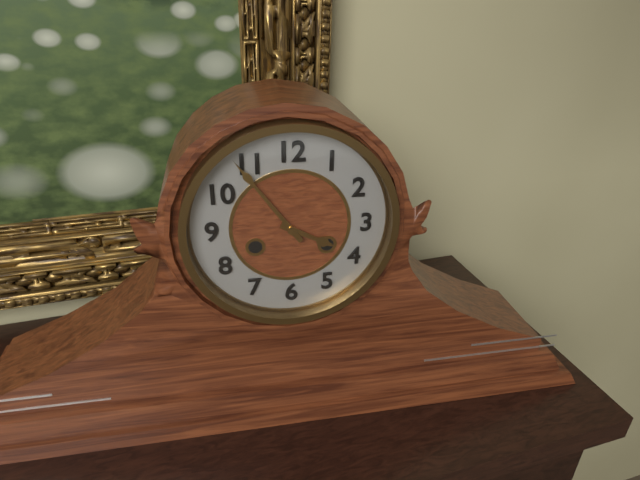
h=3 m=54
